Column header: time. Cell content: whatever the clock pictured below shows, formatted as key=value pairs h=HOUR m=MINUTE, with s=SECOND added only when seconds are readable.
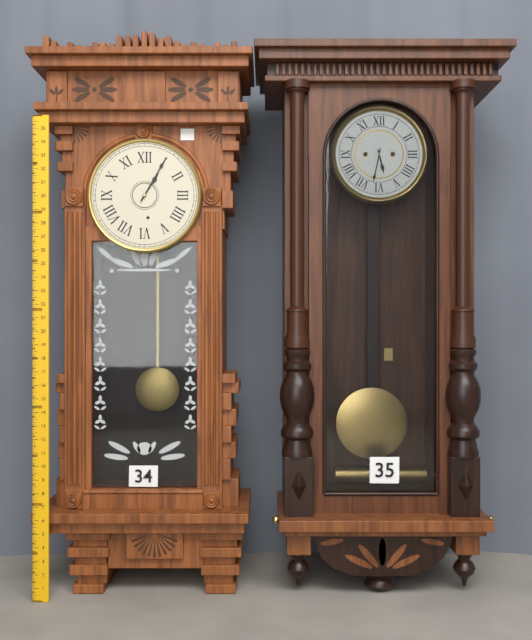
h=1 m=5
